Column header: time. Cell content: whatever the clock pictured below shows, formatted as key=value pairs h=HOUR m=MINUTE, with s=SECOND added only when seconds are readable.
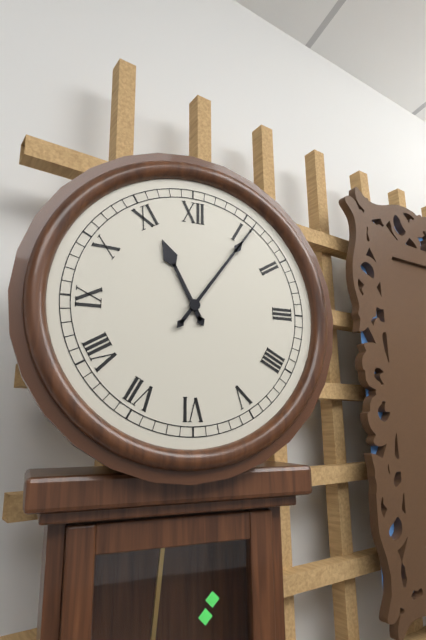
h=11 m=6
